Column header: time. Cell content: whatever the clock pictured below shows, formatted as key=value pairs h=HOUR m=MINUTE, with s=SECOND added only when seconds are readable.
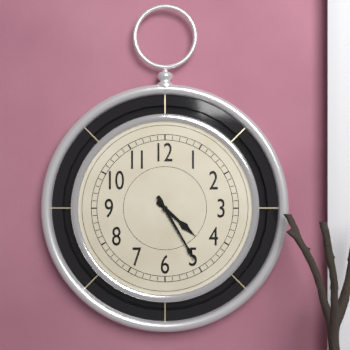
h=4 m=25
